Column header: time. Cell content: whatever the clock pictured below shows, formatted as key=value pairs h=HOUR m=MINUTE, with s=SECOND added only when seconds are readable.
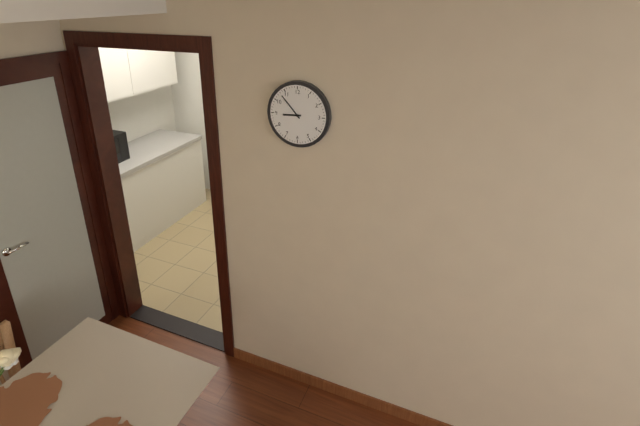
h=8 m=53
